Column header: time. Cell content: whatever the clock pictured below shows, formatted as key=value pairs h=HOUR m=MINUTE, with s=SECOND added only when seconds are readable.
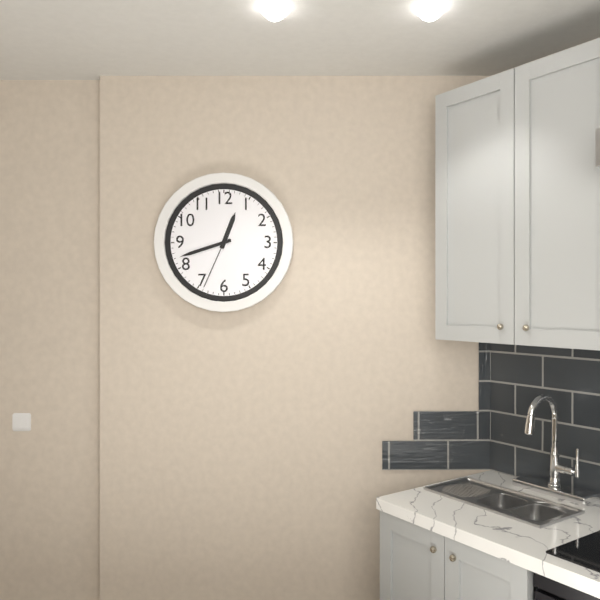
h=12 m=42 s=34
